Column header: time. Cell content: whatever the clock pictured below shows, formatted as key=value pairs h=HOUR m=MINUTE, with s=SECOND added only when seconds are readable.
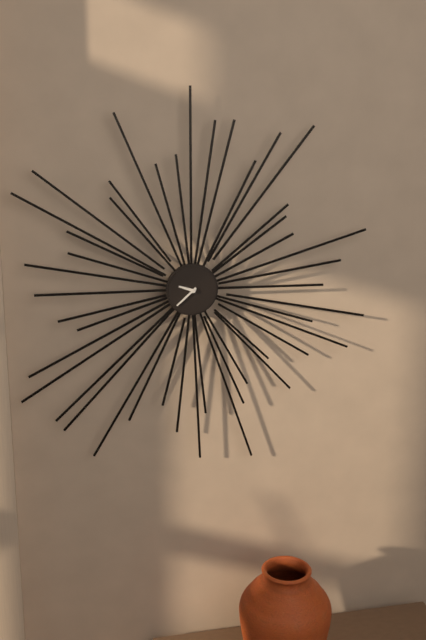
h=9 m=38
